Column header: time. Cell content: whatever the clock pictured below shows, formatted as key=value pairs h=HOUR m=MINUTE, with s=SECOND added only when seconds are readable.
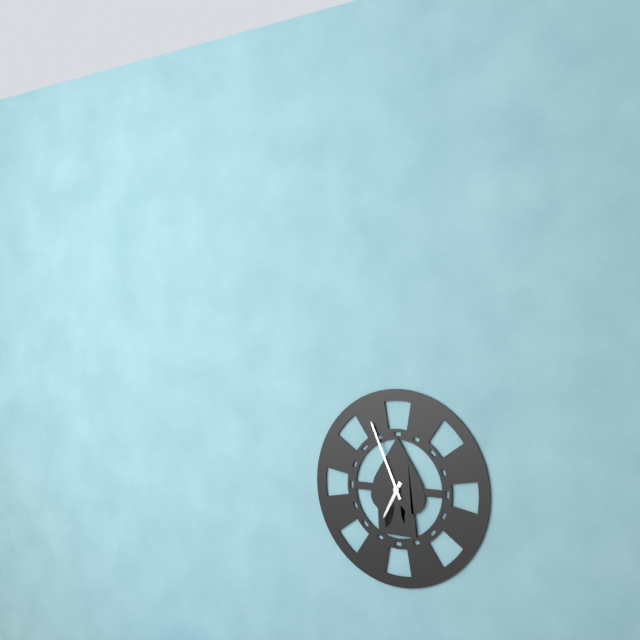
h=6 m=56
